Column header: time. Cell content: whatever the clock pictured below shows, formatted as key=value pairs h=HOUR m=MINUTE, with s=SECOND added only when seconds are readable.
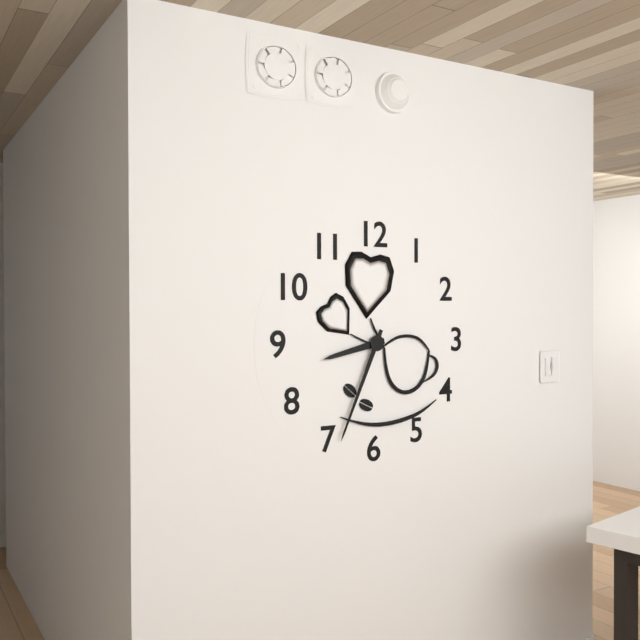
h=8 m=34
